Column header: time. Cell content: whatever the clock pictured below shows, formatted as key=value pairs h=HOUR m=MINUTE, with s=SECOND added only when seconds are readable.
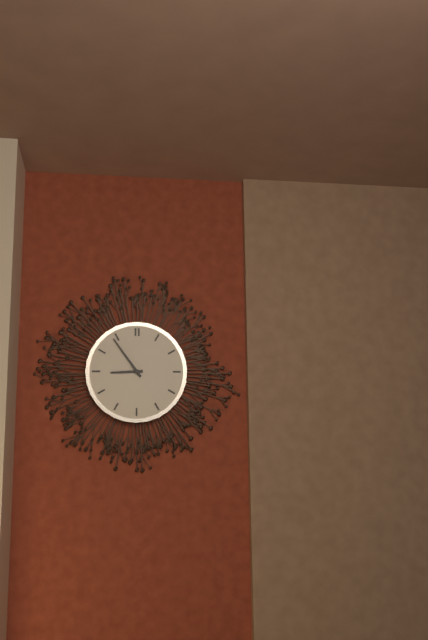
h=8 m=54
